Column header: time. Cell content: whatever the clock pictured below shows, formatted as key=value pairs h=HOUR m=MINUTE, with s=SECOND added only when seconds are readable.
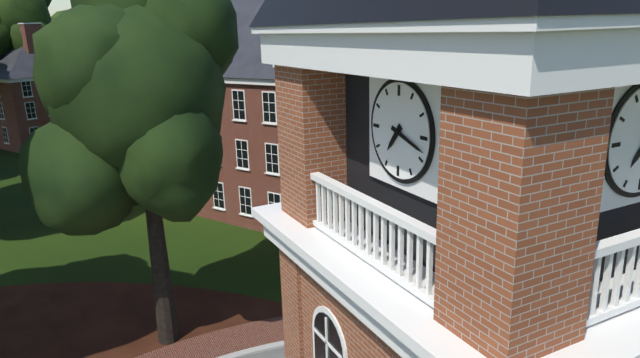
h=7 m=18
